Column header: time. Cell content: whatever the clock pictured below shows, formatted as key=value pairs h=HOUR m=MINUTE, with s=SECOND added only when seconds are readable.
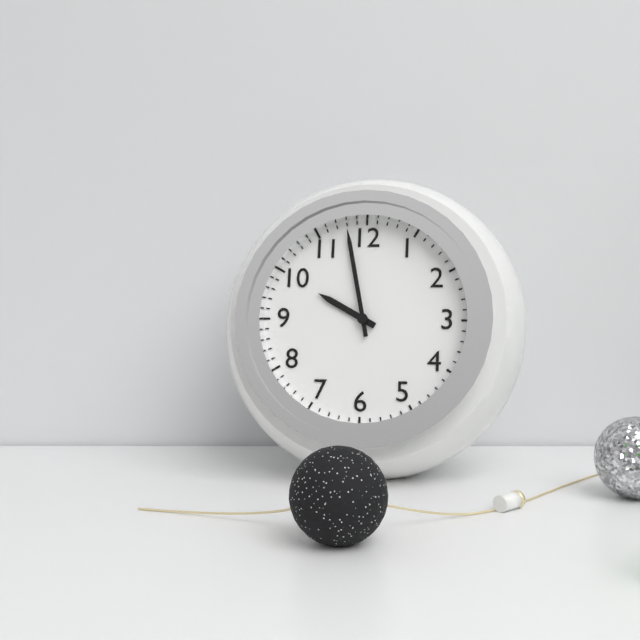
h=9 m=58
